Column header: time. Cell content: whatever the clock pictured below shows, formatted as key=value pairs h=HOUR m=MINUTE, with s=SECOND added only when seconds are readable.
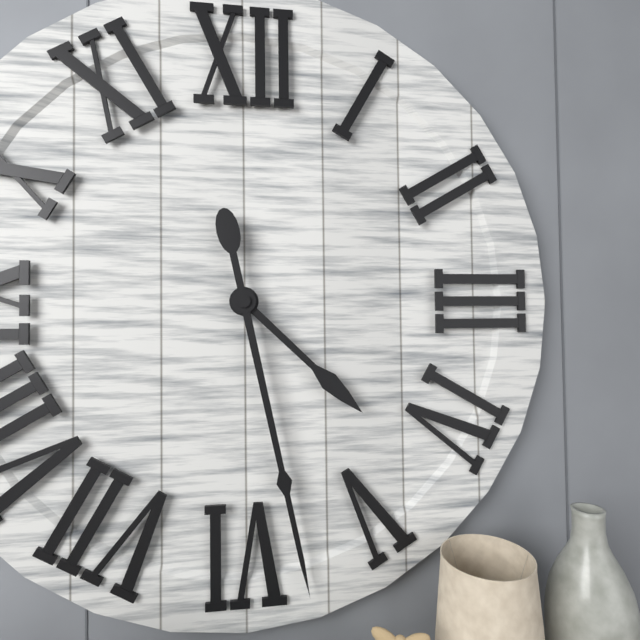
h=4 m=28
